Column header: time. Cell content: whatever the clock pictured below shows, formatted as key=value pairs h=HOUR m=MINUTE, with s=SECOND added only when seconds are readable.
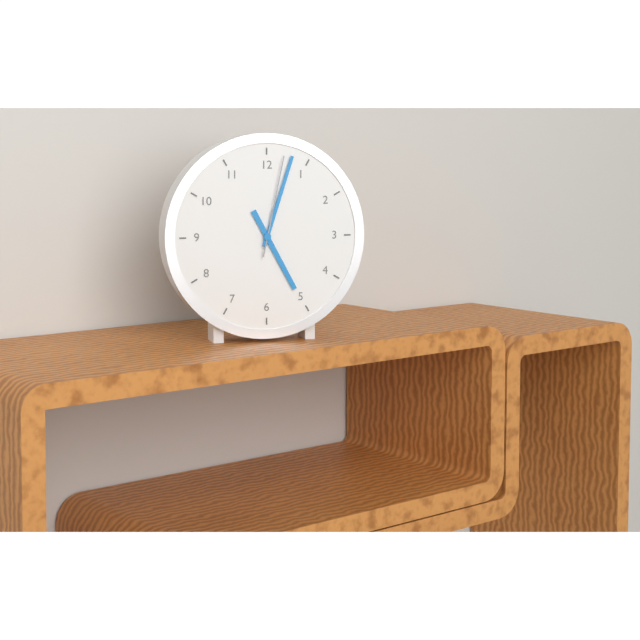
h=5 m=3 s=2
